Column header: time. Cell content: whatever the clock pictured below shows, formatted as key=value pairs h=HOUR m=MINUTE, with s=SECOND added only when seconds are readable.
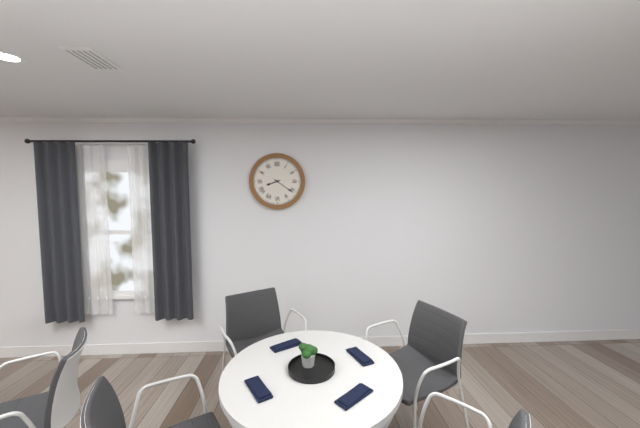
h=8 m=21
